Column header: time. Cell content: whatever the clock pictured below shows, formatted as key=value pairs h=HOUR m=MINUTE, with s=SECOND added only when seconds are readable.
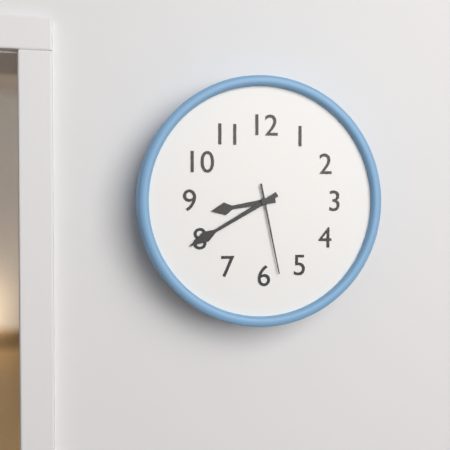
h=8 m=40 s=28
